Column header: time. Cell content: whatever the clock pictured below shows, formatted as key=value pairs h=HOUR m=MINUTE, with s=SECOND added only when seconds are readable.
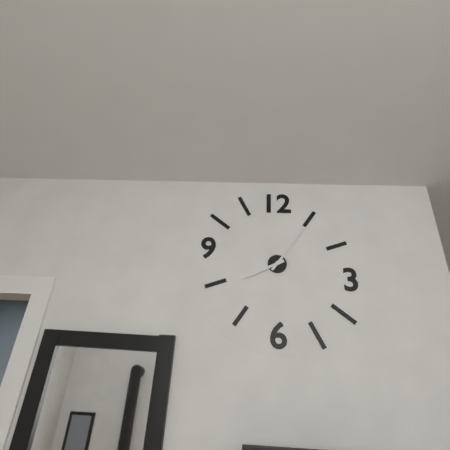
h=8 m=6
